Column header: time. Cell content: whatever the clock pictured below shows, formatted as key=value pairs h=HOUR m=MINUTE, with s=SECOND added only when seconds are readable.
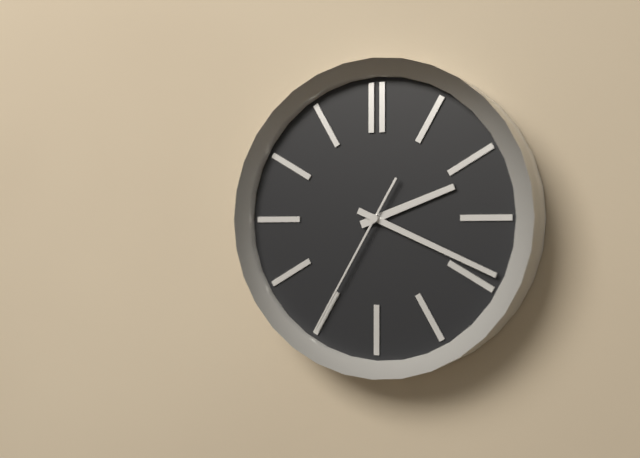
h=2 m=19 s=35
